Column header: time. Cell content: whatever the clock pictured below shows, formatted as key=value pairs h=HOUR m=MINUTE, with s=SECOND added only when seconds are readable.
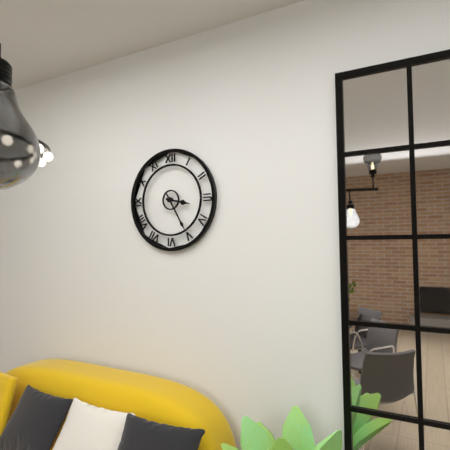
h=3 m=25
